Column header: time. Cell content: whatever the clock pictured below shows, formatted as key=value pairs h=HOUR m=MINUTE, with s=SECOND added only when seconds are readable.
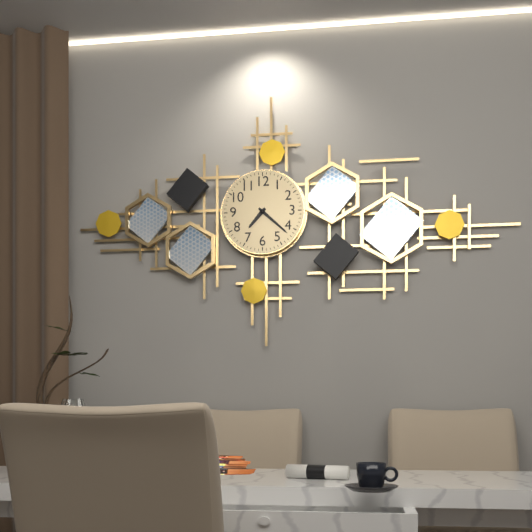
h=7 m=22
